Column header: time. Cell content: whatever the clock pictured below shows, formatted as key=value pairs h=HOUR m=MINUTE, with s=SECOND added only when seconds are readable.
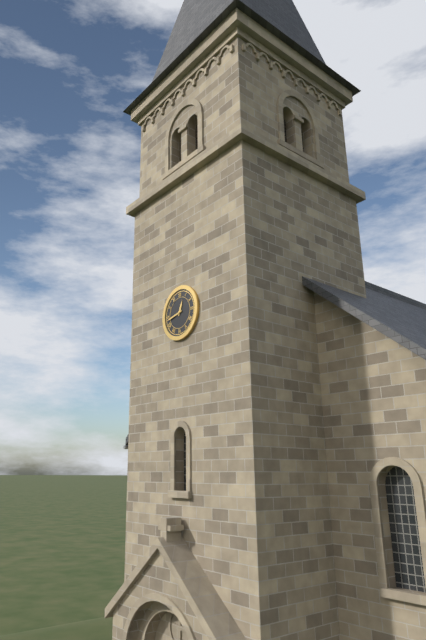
h=12 m=43
